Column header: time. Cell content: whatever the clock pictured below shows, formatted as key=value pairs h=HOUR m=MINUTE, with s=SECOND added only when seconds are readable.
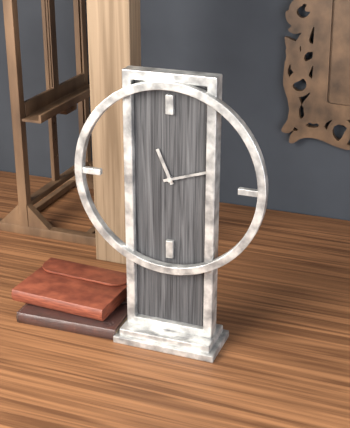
h=11 m=12
